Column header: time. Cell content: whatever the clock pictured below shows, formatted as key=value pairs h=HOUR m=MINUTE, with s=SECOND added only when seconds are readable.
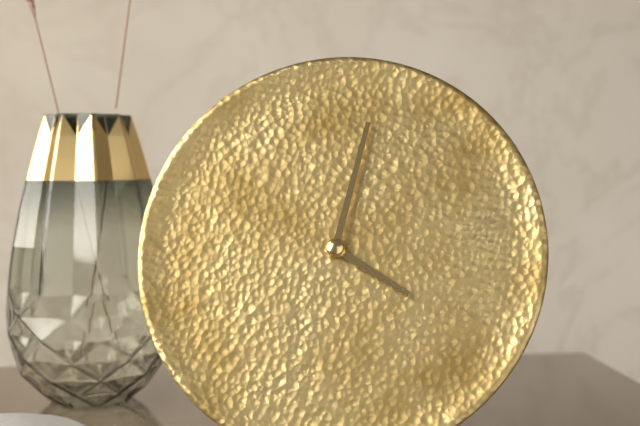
h=4 m=2
